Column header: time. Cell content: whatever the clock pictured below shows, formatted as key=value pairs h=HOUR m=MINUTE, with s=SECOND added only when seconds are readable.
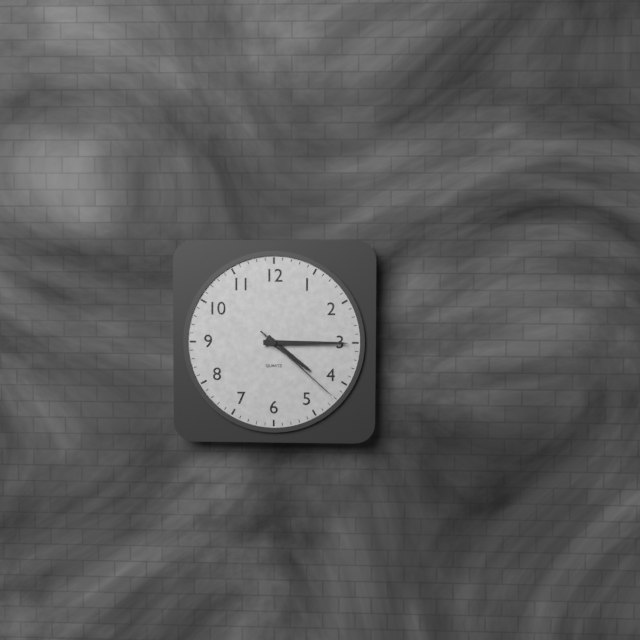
h=4 m=15 s=22
